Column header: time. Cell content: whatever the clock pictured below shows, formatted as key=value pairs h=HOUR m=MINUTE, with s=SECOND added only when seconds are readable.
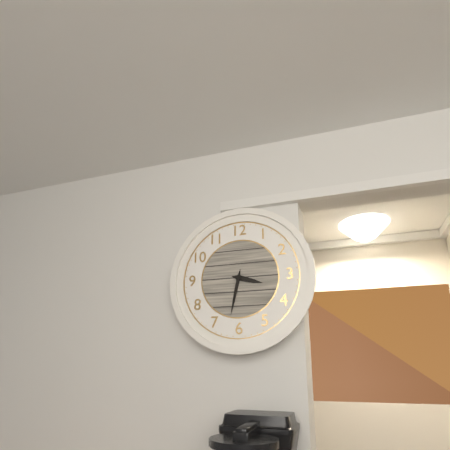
h=3 m=32
